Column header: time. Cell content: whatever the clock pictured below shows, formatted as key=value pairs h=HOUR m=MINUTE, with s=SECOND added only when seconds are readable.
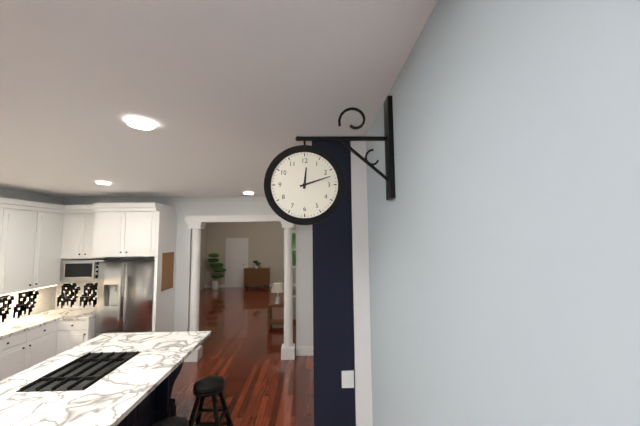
h=12 m=12
